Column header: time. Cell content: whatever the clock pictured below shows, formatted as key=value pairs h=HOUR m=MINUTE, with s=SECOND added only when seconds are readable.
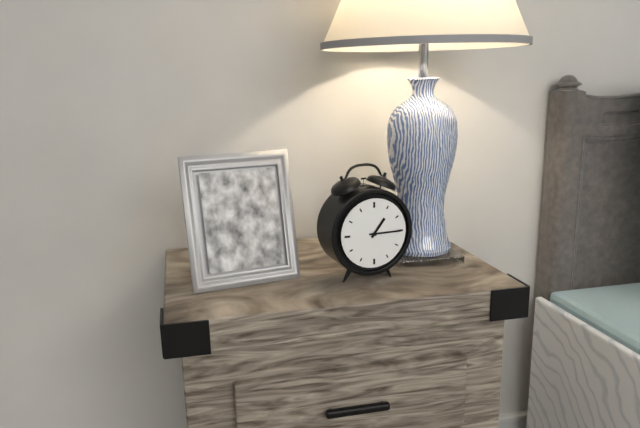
h=1 m=15
